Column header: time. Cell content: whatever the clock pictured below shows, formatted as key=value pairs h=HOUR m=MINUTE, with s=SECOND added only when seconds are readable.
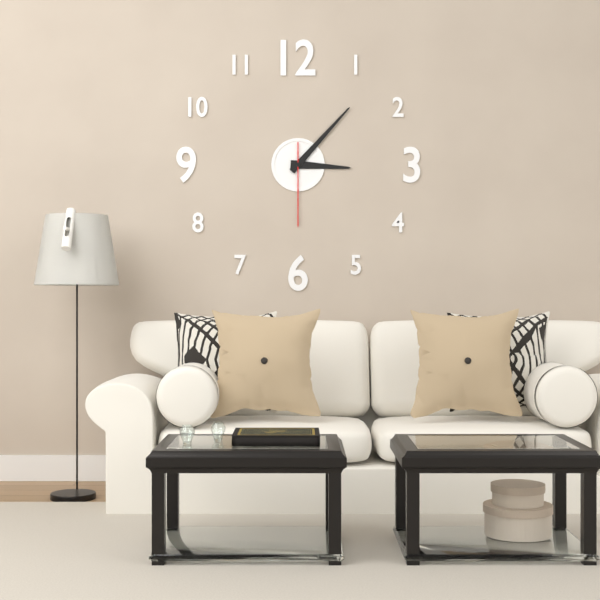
h=3 m=7 s=30
